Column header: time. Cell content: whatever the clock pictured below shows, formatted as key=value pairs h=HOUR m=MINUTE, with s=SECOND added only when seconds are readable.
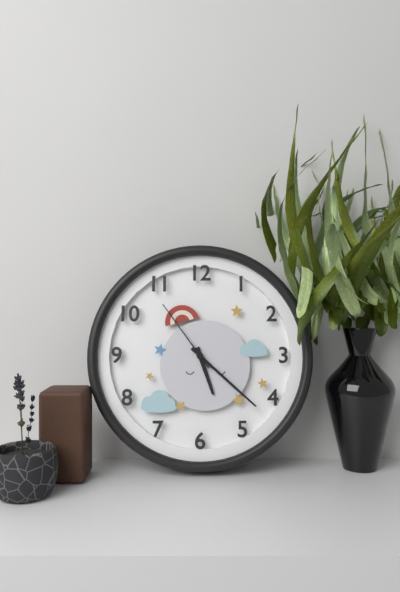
h=5 m=22 s=54
